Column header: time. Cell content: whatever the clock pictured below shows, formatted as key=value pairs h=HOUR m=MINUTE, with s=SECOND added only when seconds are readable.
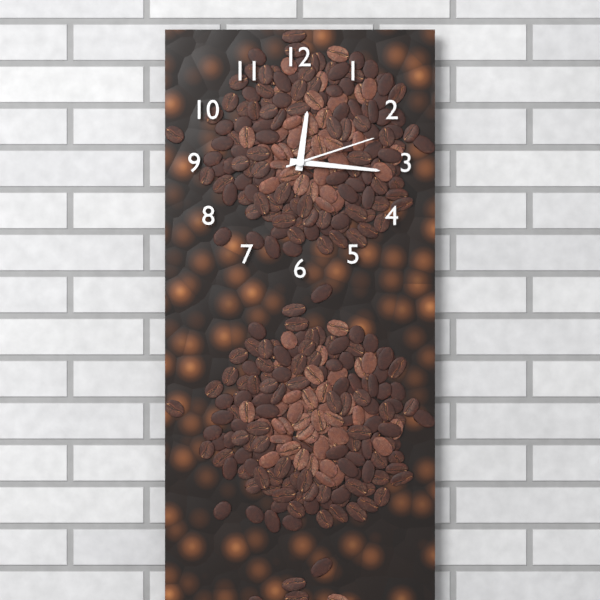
h=12 m=16 s=12
